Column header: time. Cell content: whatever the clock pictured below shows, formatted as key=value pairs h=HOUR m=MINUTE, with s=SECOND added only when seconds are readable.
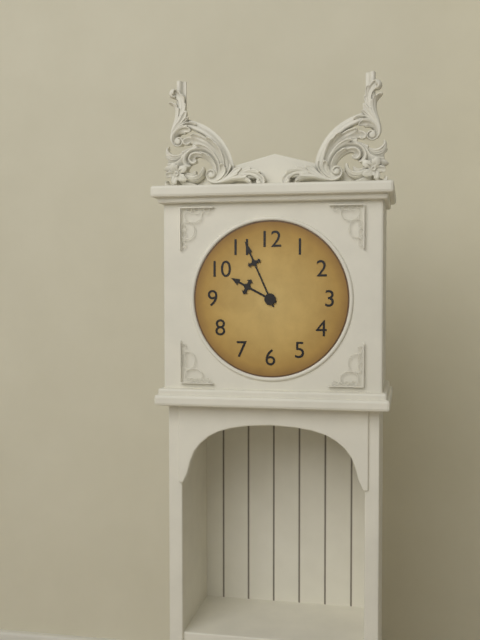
h=9 m=56
